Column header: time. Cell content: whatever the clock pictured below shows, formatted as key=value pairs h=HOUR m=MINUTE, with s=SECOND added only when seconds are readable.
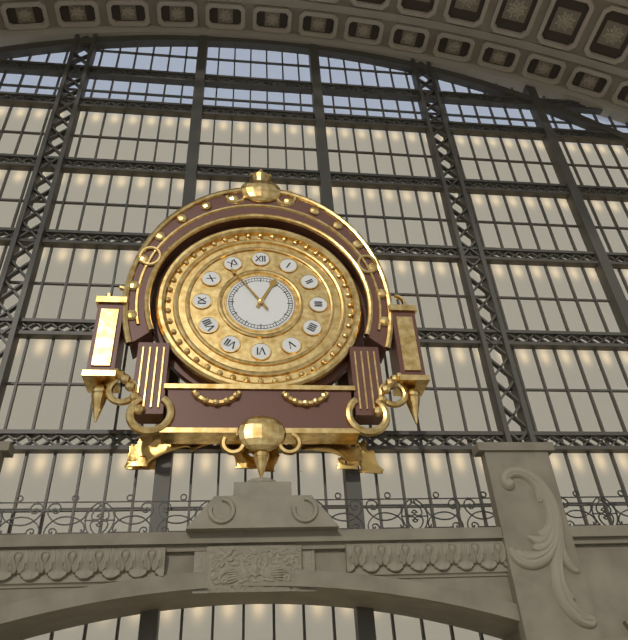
h=12 m=54
